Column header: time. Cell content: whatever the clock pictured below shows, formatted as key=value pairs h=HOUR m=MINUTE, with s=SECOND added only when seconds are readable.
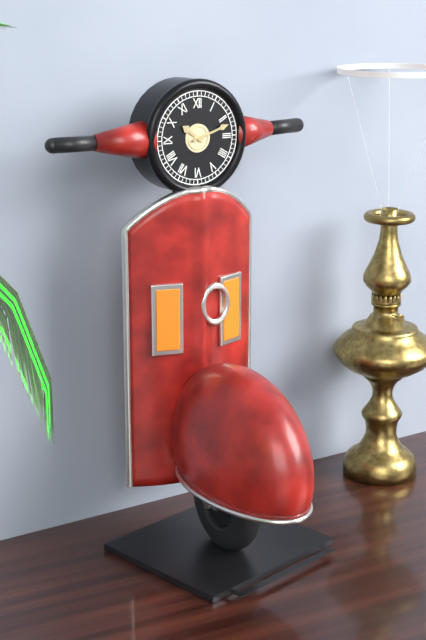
h=10 m=12
